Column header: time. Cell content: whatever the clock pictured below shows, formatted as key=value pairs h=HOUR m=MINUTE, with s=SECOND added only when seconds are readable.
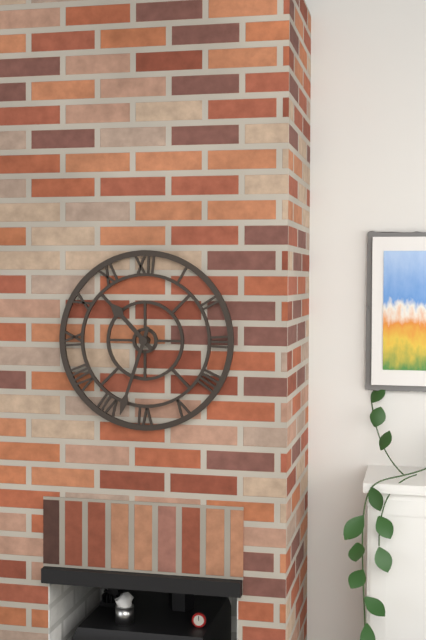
h=10 m=33
